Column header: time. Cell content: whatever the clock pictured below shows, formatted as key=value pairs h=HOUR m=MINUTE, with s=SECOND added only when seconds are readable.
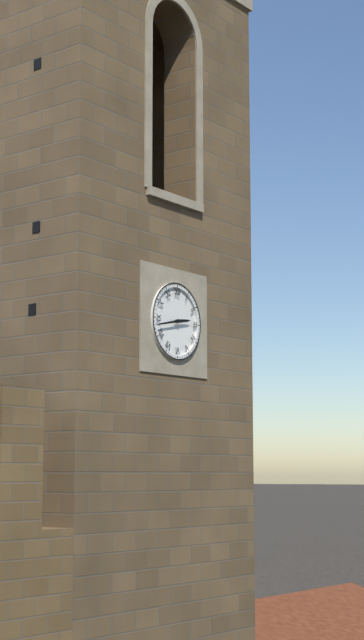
h=2 m=43
